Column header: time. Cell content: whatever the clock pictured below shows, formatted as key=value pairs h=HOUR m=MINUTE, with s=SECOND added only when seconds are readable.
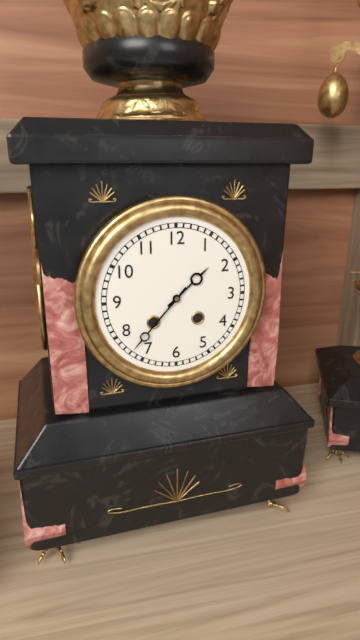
h=1 m=37
